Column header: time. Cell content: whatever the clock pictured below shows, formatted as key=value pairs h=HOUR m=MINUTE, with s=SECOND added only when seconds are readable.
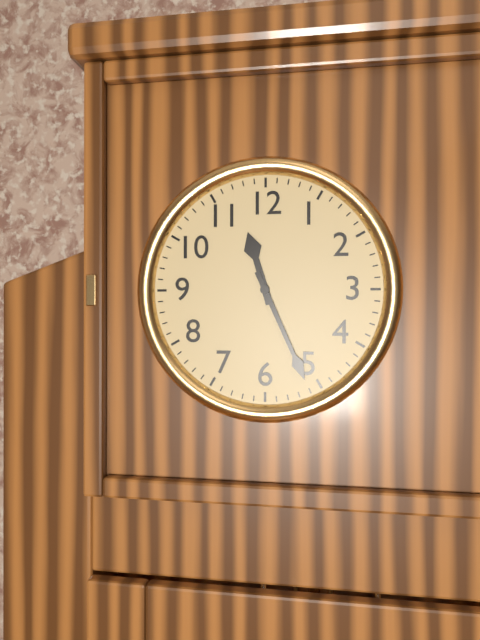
h=11 m=26
